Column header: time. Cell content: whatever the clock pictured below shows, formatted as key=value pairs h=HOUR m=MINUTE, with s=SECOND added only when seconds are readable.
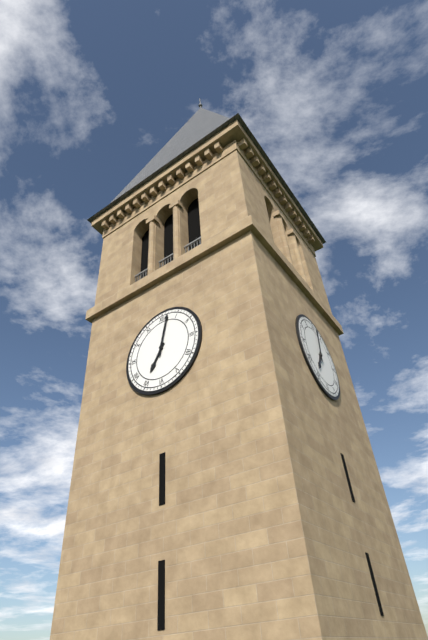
h=7 m=2
